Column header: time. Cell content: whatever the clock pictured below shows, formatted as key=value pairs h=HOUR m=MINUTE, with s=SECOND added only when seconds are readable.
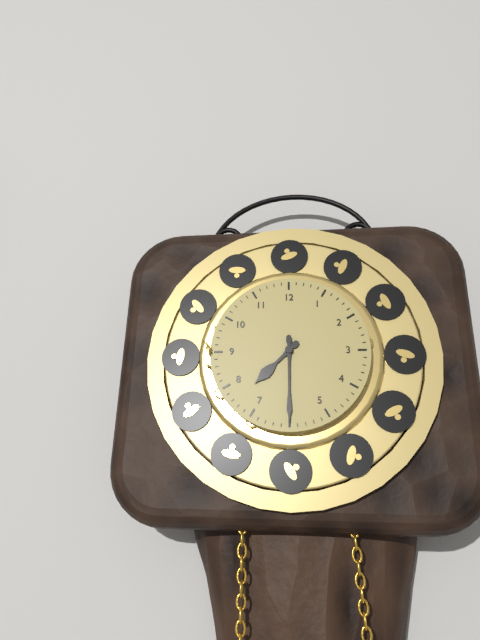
h=7 m=30
